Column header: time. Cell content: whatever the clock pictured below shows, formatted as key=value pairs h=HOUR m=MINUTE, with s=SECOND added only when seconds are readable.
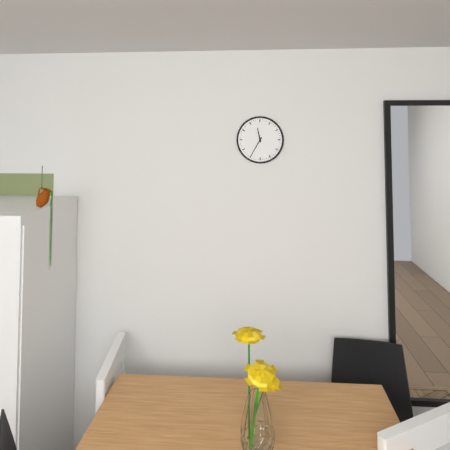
h=11 m=35
